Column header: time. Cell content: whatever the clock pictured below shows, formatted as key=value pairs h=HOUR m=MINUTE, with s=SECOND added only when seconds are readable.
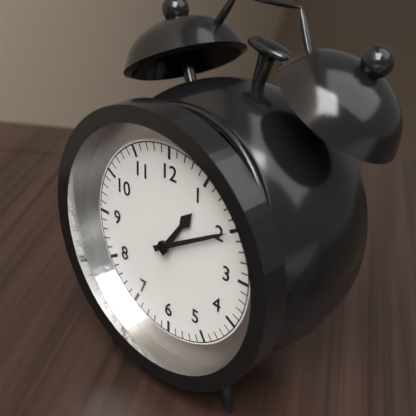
h=1 m=10
